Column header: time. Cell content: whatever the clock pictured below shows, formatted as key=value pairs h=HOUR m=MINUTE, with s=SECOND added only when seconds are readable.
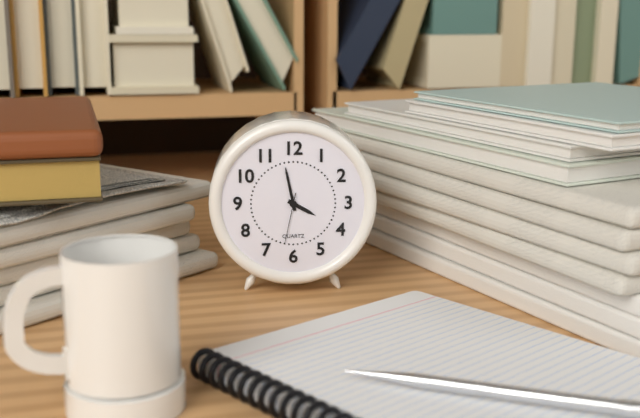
h=3 m=58 s=32
